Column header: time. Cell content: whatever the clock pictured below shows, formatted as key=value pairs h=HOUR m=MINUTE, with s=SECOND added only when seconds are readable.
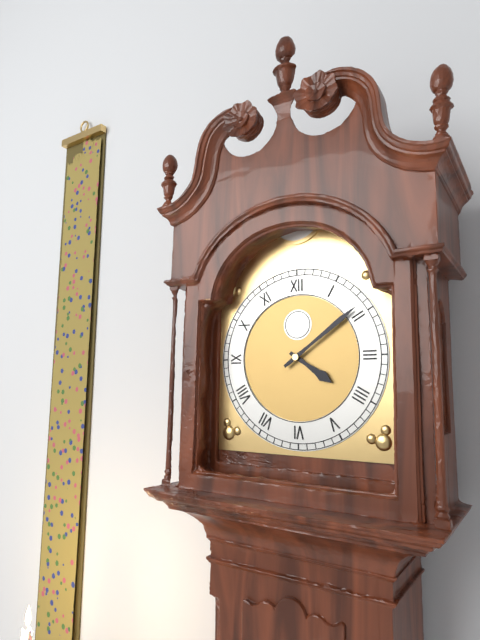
h=4 m=9
